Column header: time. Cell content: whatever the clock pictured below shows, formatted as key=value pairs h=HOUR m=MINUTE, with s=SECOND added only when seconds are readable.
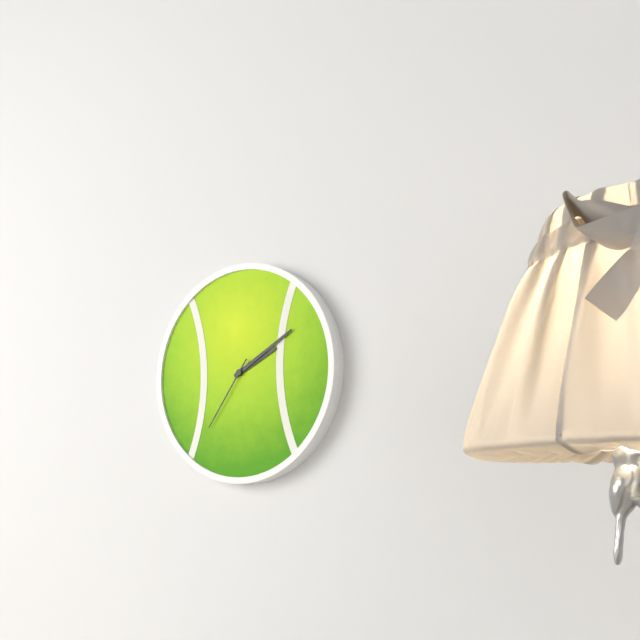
h=2 m=10 s=36
